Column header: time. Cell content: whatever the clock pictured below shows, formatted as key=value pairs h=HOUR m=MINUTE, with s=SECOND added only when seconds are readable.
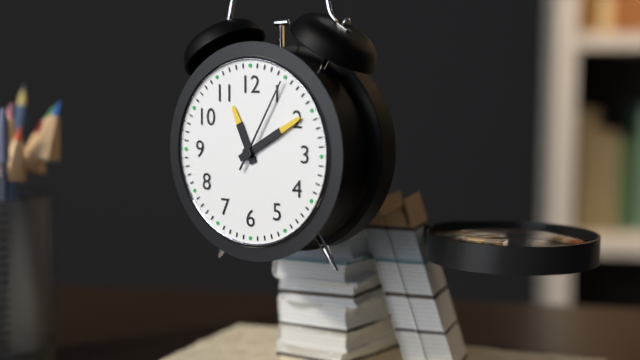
h=11 m=10 s=5
